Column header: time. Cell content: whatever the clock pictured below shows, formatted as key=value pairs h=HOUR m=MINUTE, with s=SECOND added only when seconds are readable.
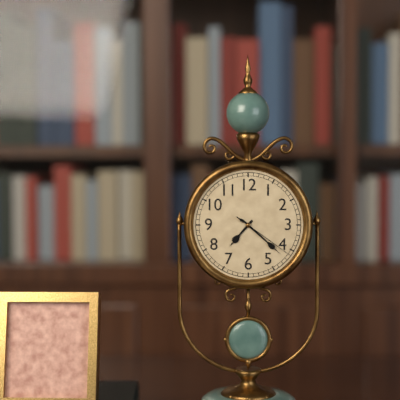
h=7 m=22 s=21
